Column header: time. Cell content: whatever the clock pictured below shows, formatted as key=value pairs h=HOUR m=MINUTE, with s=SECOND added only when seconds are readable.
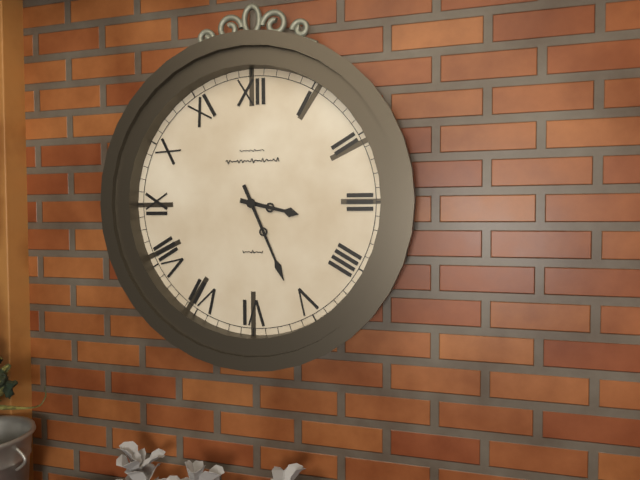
h=3 m=26
